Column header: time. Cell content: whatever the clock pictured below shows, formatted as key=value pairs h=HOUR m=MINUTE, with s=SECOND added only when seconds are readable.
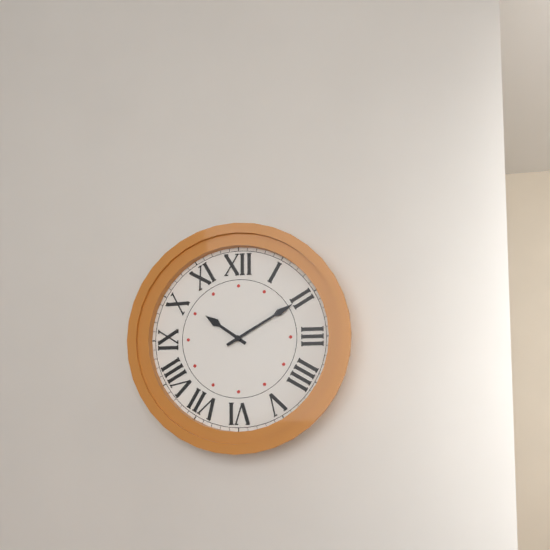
h=10 m=10
